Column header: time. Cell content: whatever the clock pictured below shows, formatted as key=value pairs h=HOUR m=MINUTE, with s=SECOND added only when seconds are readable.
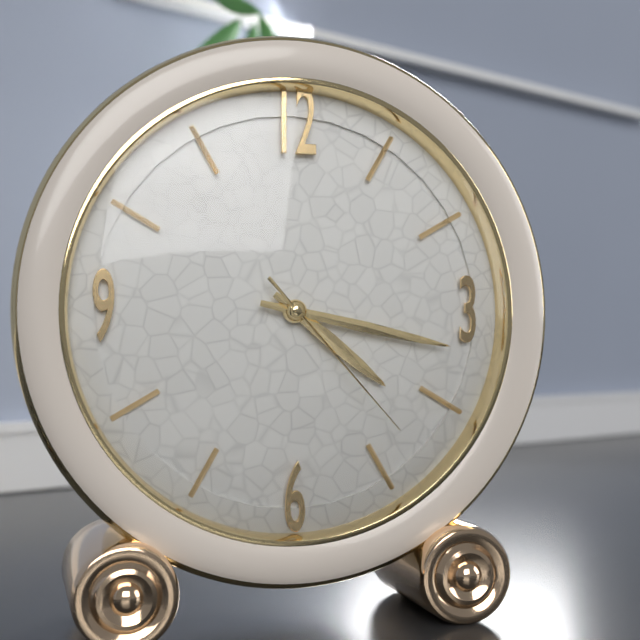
h=4 m=17 s=23
